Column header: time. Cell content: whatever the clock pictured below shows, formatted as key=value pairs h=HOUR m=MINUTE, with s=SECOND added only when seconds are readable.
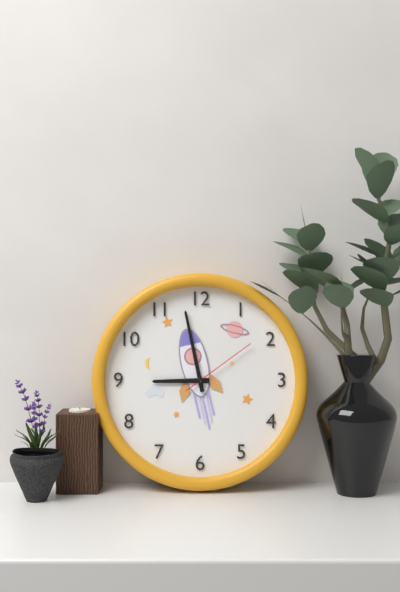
h=8 m=58 s=9
